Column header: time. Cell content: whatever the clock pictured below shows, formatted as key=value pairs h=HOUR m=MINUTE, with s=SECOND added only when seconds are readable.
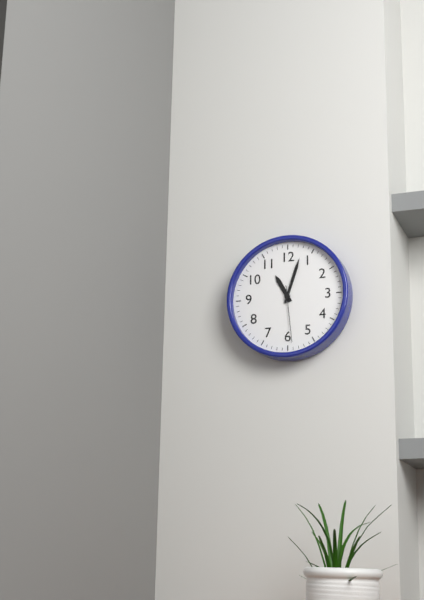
h=11 m=3 s=29
